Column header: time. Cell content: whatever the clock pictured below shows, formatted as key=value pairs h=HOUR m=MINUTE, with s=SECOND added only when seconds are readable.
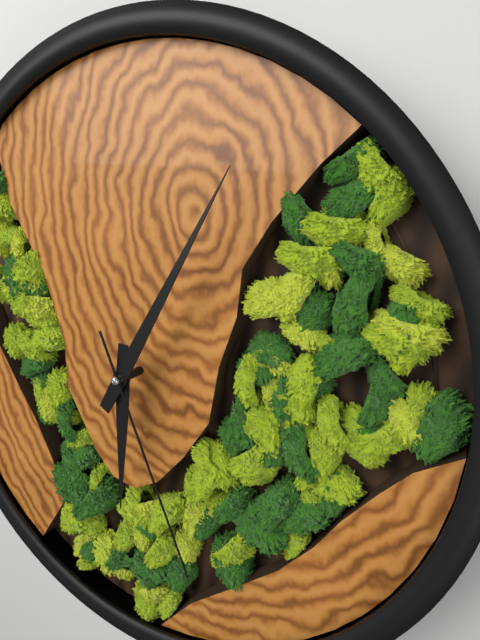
h=6 m=5 s=26
